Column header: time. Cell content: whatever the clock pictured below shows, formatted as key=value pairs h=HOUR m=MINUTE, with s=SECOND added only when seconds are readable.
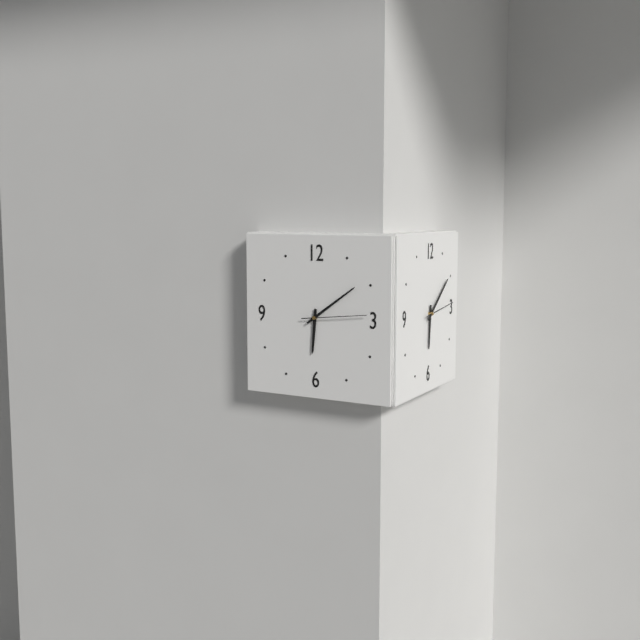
h=6 m=9 s=14
